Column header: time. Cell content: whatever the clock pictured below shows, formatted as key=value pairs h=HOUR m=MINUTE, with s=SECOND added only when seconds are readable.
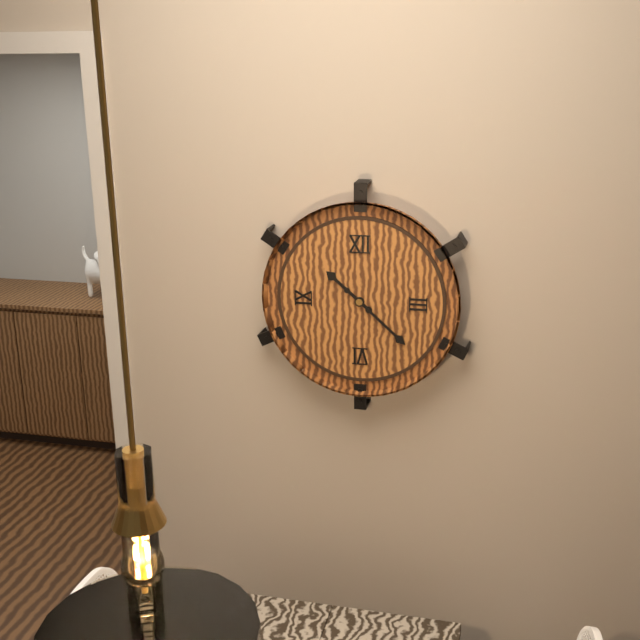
h=10 m=22
